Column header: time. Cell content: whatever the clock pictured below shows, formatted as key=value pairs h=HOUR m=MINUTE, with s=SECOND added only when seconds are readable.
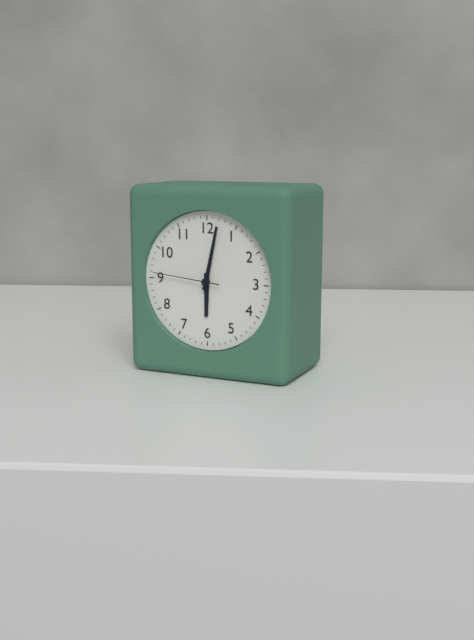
h=6 m=2 s=46
